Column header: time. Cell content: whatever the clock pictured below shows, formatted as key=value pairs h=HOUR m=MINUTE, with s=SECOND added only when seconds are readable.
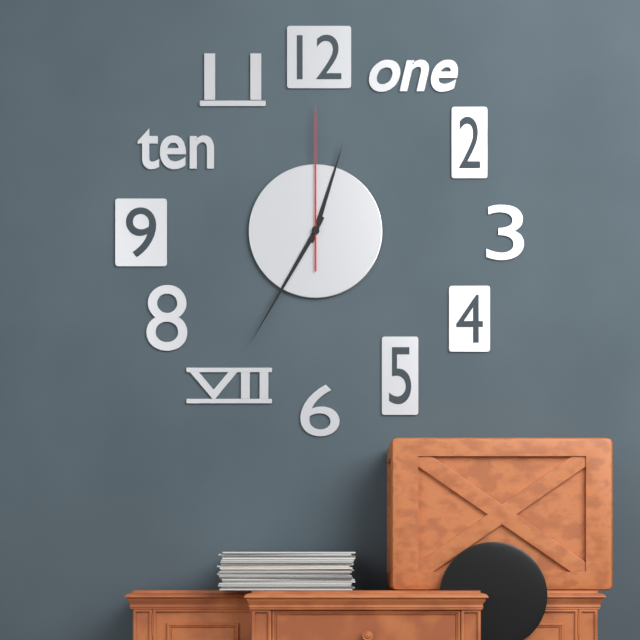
h=12 m=35 s=0
